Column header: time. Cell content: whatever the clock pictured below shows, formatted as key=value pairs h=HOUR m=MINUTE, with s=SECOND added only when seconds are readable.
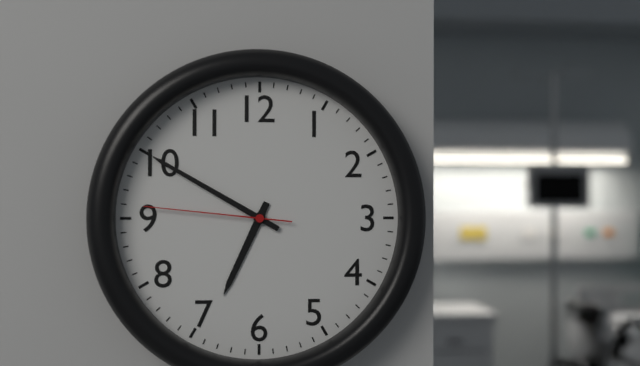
h=6 m=50 s=46
